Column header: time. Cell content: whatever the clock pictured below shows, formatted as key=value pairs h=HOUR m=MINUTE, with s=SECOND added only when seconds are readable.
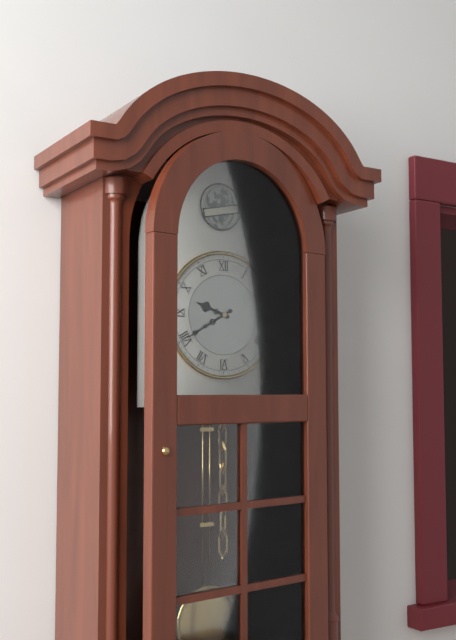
h=9 m=40
